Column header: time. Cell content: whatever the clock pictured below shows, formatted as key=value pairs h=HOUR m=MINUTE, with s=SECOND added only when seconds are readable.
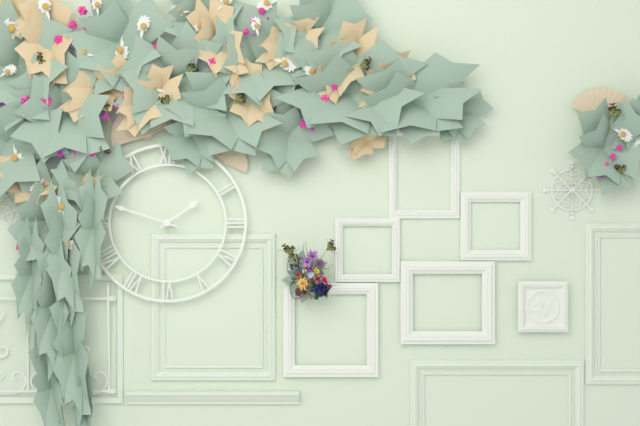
h=1 m=48
